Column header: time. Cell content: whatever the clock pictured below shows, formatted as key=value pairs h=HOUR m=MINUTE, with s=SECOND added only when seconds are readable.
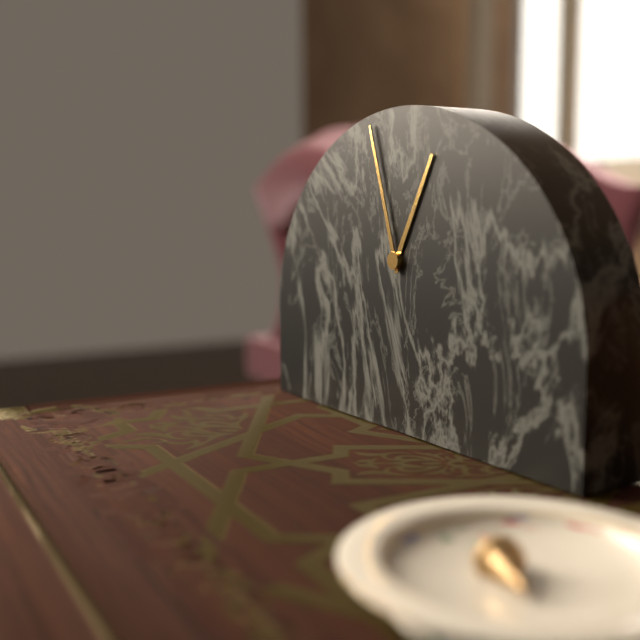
h=12 m=57
